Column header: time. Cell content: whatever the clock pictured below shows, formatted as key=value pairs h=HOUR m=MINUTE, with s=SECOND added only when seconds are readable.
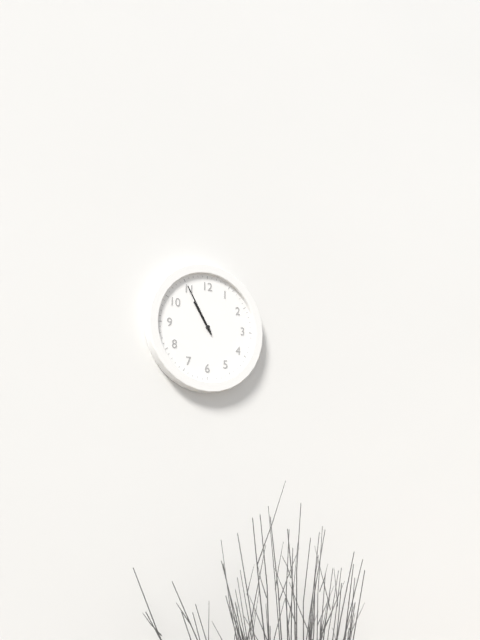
h=10 m=55
